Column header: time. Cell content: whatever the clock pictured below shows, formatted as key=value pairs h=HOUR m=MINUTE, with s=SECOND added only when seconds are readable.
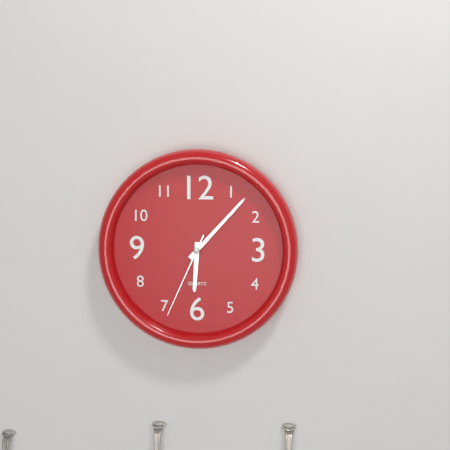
h=6 m=7 s=34
